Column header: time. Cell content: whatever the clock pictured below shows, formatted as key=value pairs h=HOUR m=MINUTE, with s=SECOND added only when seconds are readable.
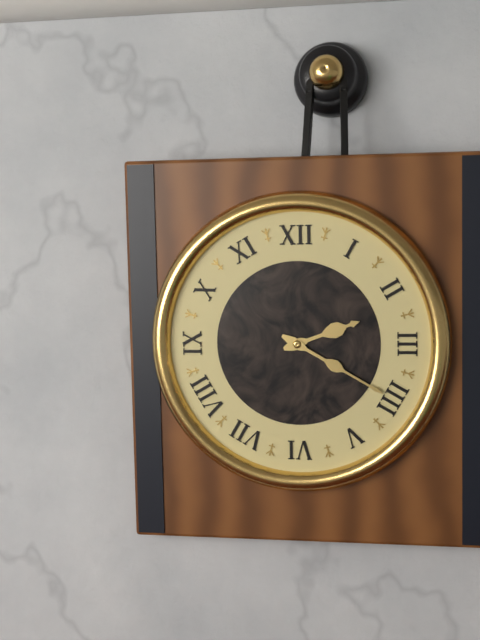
h=2 m=20
